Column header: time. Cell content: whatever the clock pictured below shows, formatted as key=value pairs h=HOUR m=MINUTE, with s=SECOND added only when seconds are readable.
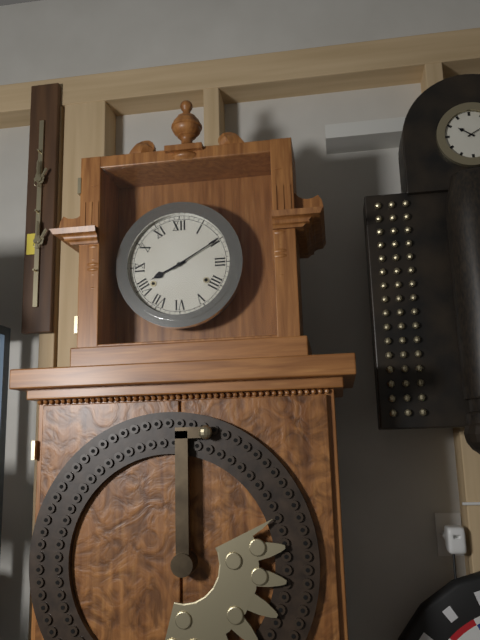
h=8 m=10
